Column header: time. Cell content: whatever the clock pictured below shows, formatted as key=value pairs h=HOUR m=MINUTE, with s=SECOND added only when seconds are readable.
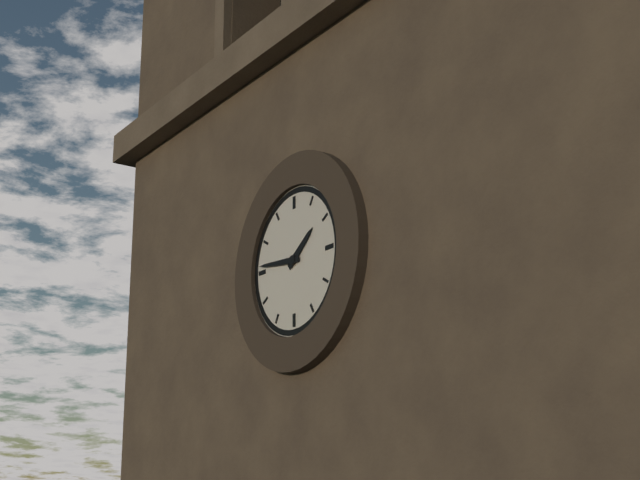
h=1 m=46
